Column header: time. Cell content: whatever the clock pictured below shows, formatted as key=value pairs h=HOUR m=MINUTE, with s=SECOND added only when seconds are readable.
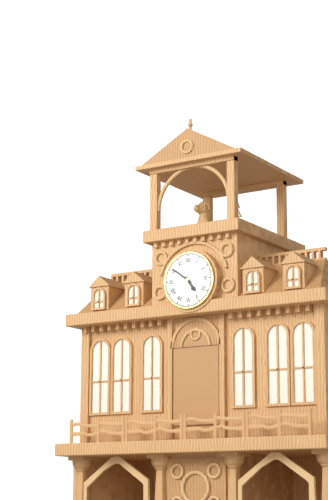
h=4 m=51
